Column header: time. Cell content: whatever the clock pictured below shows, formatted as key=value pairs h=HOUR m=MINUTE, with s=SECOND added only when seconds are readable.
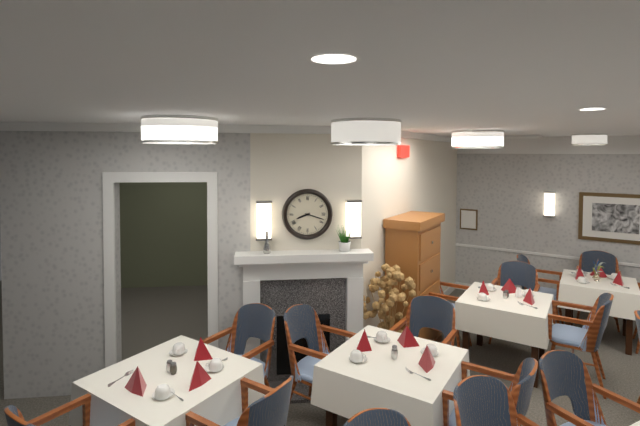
h=8 m=18
